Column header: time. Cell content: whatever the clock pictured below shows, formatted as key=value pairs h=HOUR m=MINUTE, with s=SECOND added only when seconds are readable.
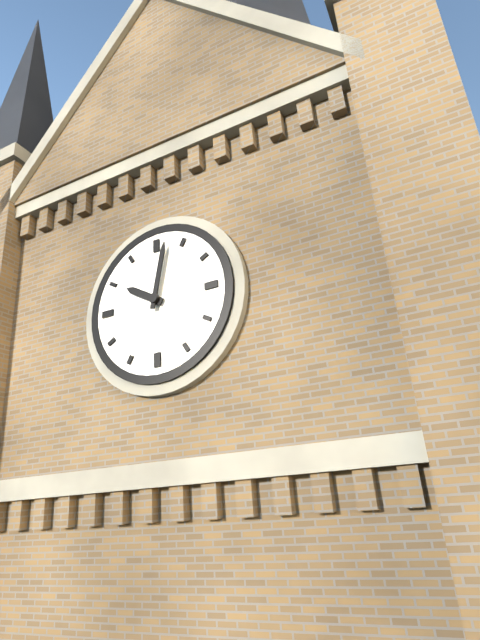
h=10 m=2
